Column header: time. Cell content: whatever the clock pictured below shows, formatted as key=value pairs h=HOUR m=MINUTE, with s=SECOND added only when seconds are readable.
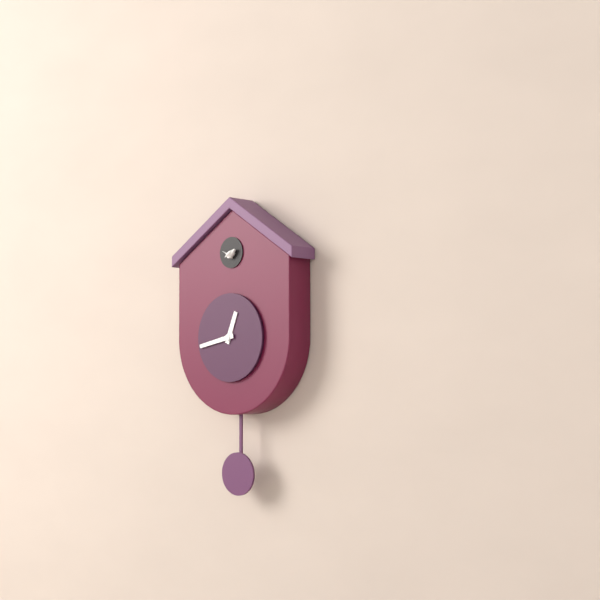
h=12 m=43
